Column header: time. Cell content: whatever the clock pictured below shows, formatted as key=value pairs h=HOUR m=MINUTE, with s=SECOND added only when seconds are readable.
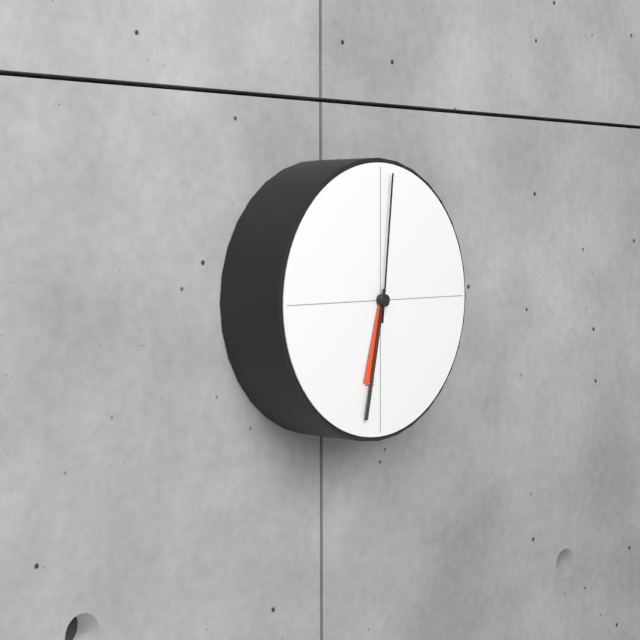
h=6 m=32 s=1
